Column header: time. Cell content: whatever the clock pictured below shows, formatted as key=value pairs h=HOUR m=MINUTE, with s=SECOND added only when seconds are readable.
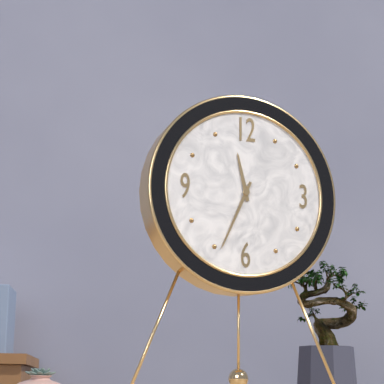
h=11 m=34
